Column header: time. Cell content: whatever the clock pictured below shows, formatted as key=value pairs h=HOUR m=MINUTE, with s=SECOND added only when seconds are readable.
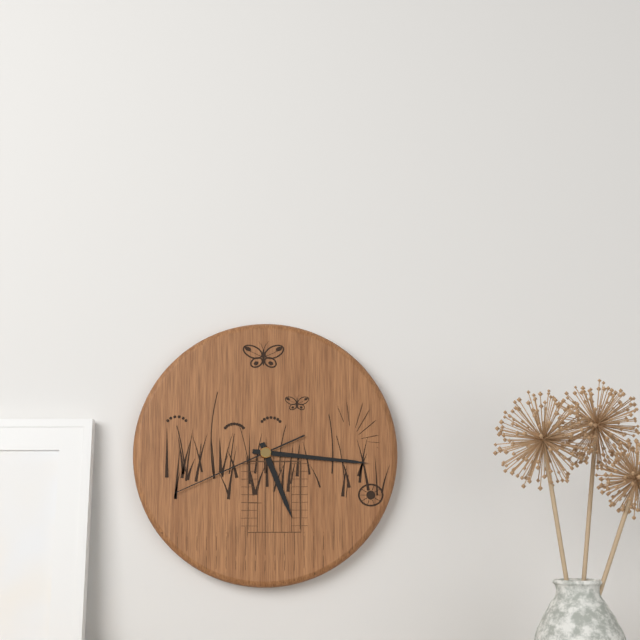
h=5 m=16 s=41
